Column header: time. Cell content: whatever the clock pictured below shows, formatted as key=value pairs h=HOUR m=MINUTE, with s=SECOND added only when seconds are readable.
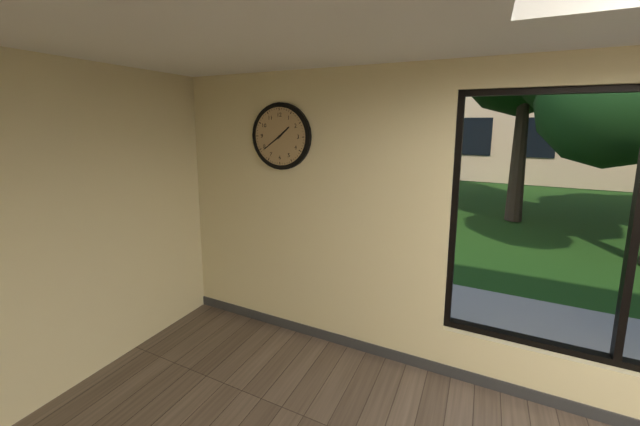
h=1 m=39
